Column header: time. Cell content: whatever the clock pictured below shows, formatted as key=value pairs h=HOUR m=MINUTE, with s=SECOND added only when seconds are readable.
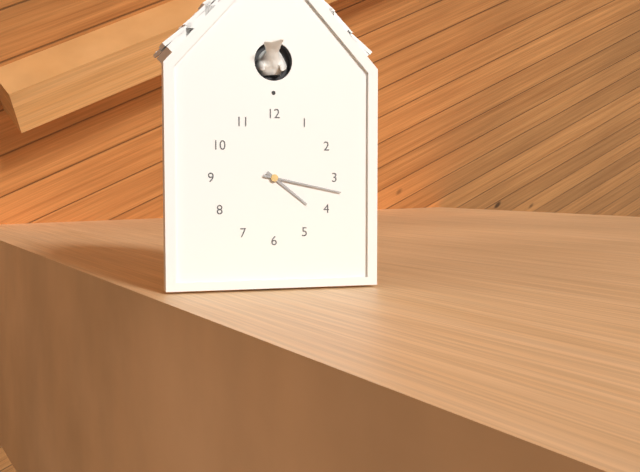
h=4 m=17
